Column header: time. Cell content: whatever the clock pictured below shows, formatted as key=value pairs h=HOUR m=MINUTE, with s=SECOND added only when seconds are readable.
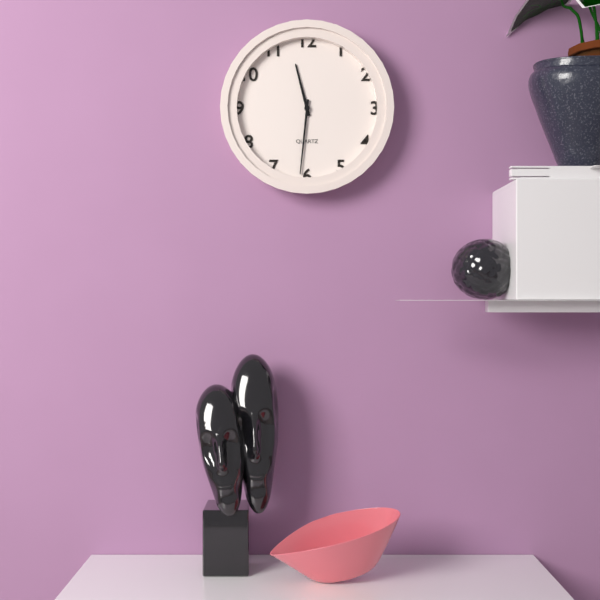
h=11 m=31
